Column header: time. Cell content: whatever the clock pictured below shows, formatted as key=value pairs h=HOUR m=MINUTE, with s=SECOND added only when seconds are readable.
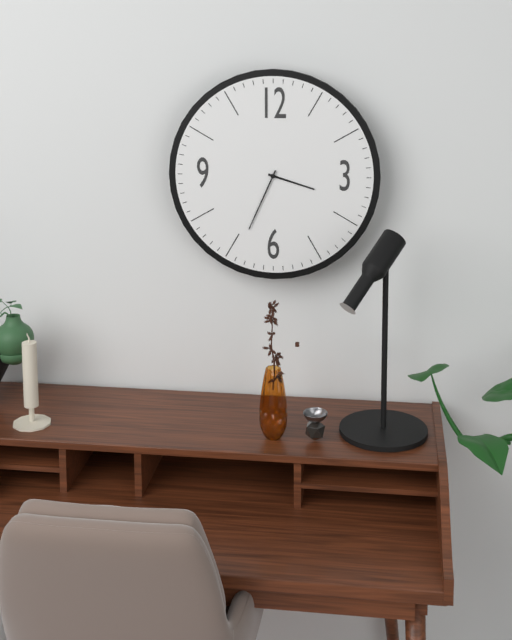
h=3 m=34
